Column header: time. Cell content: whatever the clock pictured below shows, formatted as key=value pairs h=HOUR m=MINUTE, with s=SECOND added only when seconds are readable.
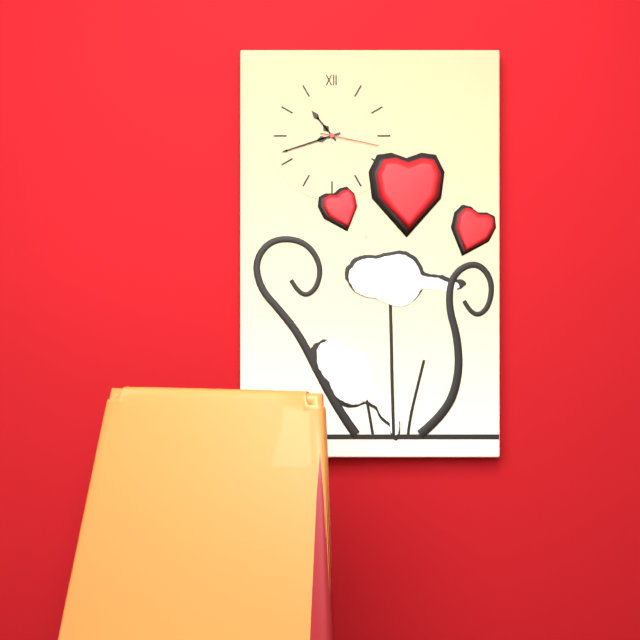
h=10 m=42 s=17
